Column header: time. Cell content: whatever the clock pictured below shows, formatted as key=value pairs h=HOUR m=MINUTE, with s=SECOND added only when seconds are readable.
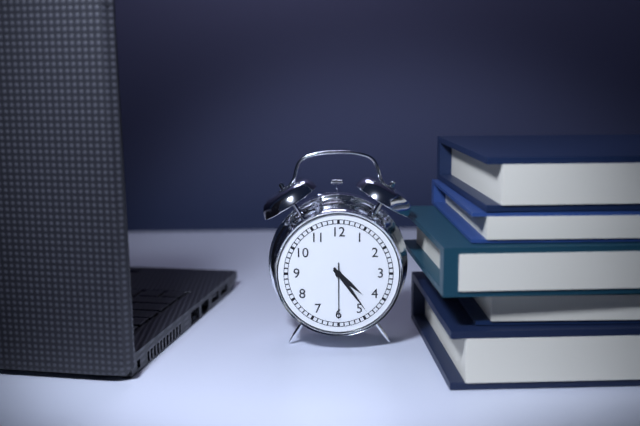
h=4 m=24 s=30
